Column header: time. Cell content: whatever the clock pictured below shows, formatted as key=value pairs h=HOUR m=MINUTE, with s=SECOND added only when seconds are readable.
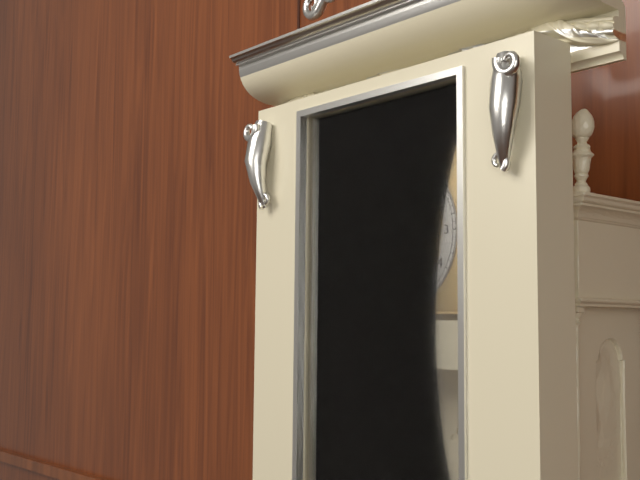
h=5 m=38
